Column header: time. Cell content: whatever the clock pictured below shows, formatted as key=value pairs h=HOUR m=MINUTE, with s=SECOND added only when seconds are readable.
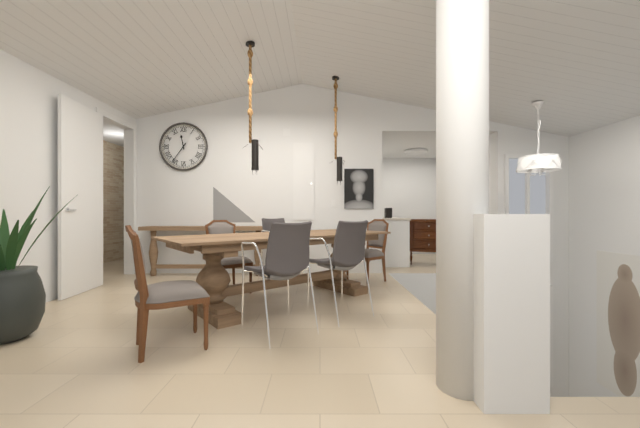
h=11 m=36
